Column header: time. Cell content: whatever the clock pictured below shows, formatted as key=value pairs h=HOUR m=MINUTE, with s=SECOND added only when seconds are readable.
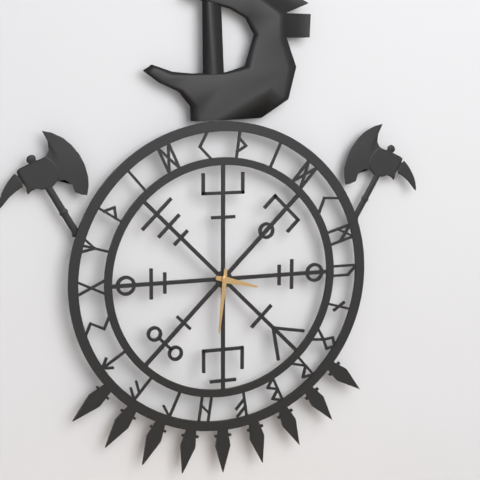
h=3 m=31
